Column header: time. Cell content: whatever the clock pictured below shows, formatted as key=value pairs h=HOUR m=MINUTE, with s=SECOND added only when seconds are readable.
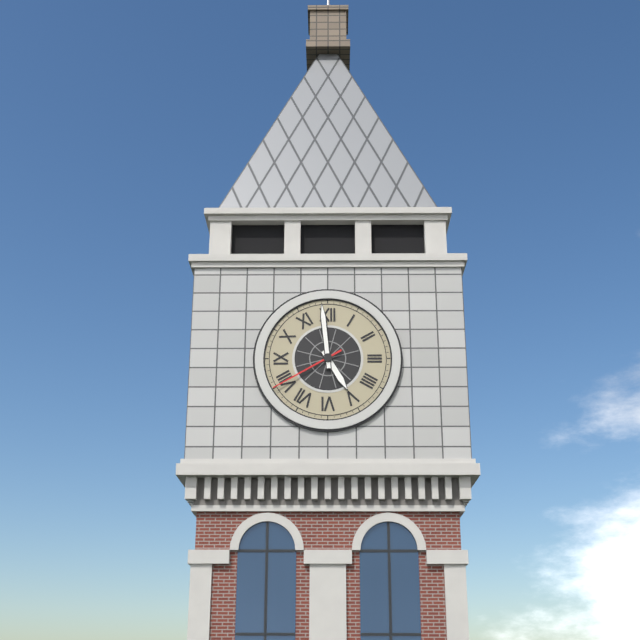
h=4 m=59 s=40
